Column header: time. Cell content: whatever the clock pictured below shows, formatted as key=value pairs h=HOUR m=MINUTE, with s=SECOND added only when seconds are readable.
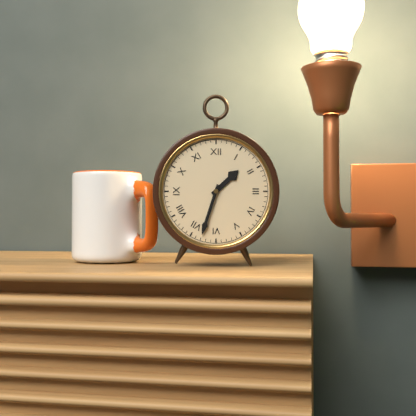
h=1 m=33
